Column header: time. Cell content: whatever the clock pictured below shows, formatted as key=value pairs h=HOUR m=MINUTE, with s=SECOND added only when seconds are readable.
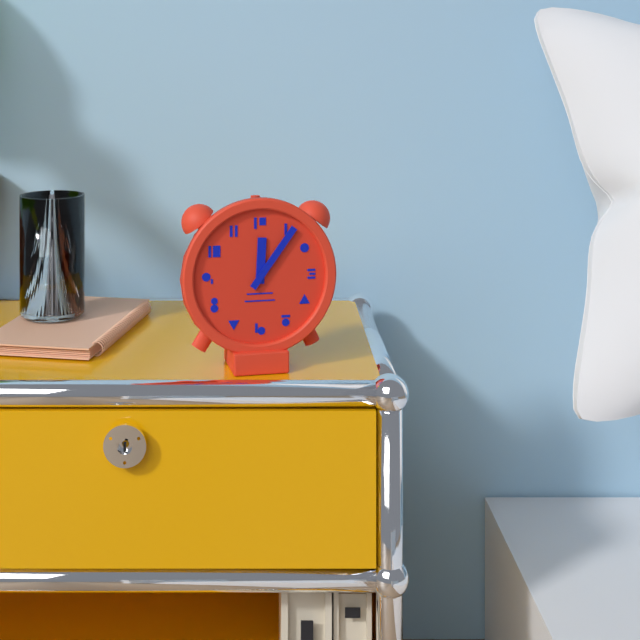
h=12 m=6
